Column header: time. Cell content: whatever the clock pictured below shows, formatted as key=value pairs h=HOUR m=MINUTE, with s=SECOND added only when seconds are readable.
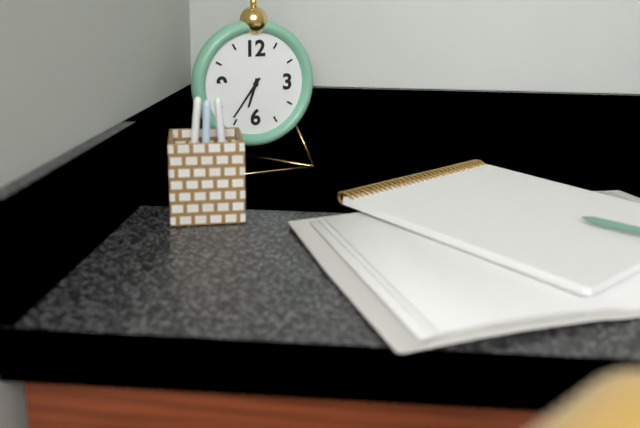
h=6 m=36
